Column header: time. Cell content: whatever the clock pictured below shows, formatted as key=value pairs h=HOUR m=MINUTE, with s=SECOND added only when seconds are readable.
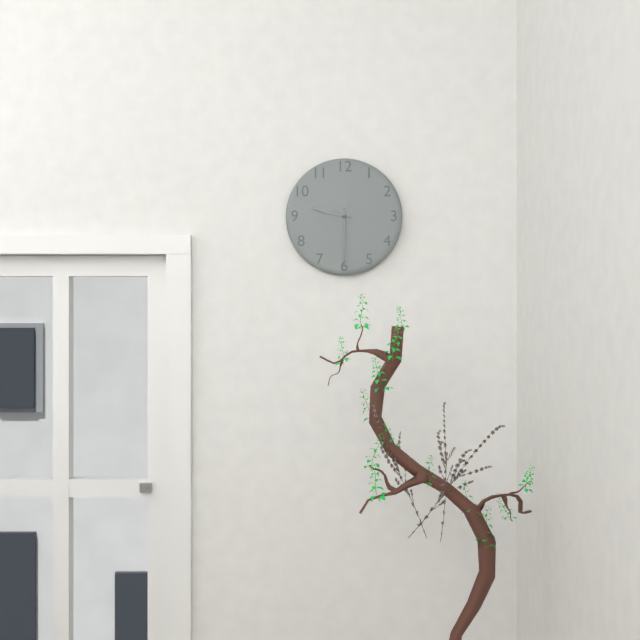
h=9 m=30
